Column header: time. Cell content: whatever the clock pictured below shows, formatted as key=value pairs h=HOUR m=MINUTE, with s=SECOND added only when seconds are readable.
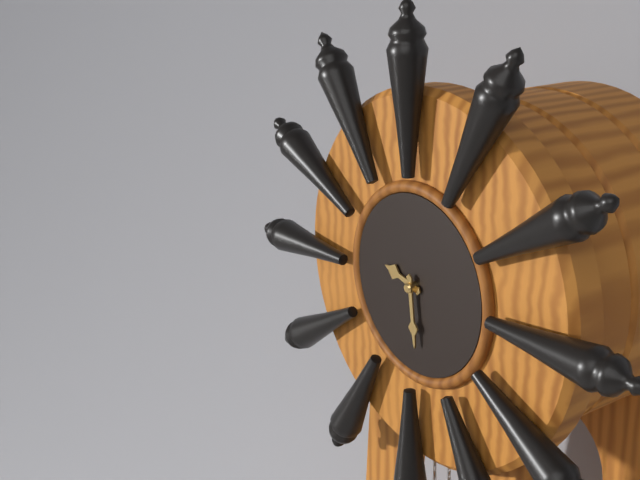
h=9 m=29
